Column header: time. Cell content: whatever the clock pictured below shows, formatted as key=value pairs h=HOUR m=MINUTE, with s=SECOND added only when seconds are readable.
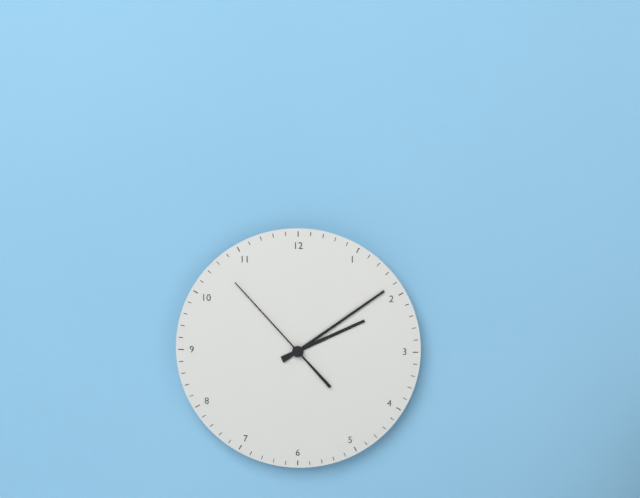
h=2 m=9 s=53
